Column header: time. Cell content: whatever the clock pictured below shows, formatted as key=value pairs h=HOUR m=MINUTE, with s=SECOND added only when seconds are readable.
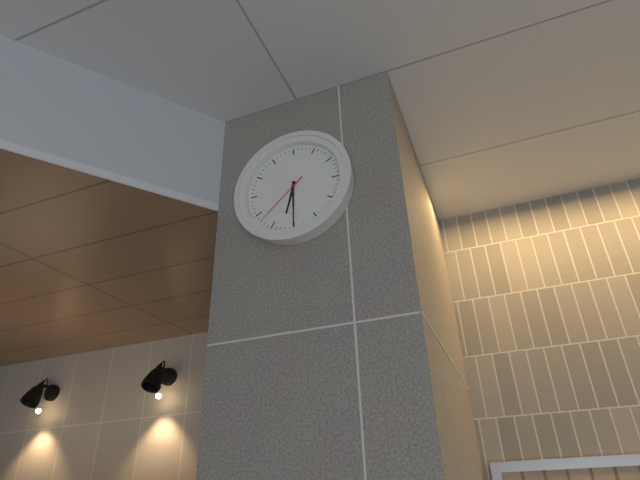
h=6 m=30 s=38
